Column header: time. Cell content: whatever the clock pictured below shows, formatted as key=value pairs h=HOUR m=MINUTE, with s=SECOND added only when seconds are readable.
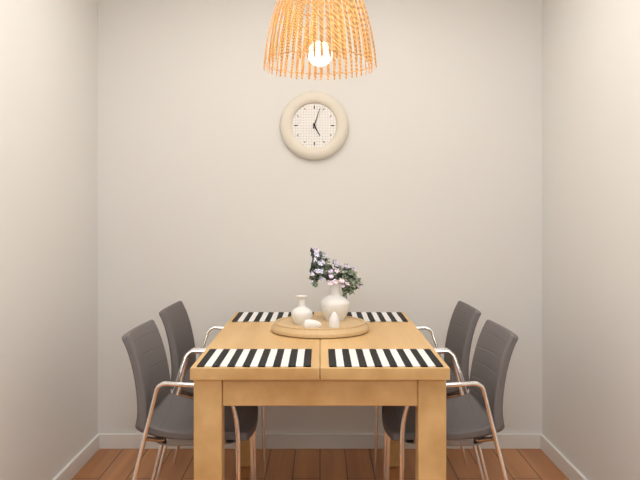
h=5 m=3
